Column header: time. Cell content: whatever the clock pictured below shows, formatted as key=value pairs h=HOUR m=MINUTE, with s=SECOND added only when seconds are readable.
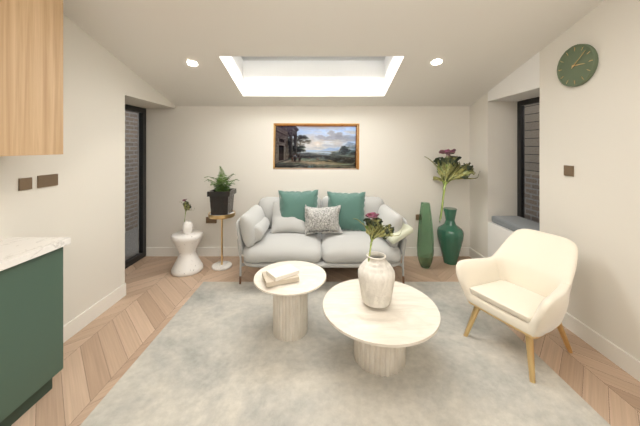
h=3 m=8
